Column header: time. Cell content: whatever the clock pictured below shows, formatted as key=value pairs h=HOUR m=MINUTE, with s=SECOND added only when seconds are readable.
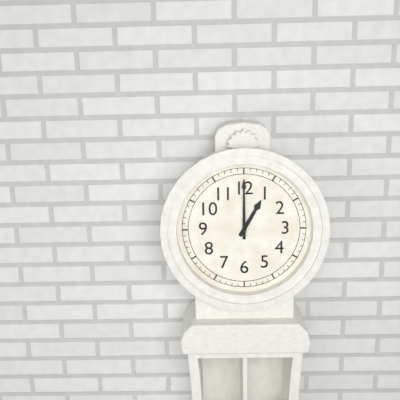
h=1 m=0
